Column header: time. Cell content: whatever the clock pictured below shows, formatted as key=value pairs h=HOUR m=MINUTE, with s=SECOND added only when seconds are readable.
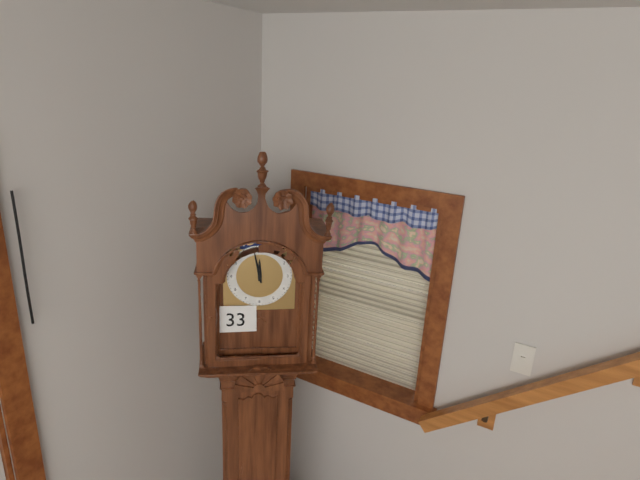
h=11 m=58
